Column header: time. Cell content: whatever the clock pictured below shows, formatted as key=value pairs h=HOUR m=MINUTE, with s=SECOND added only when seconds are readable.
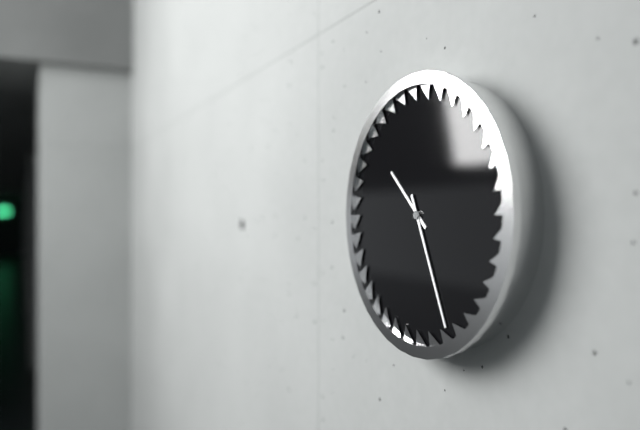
h=10 m=26
